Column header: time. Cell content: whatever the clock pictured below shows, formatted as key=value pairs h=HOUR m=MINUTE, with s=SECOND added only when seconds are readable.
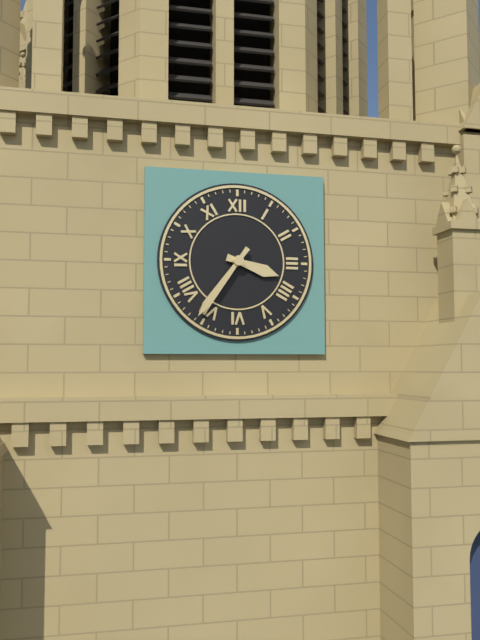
h=3 m=36
